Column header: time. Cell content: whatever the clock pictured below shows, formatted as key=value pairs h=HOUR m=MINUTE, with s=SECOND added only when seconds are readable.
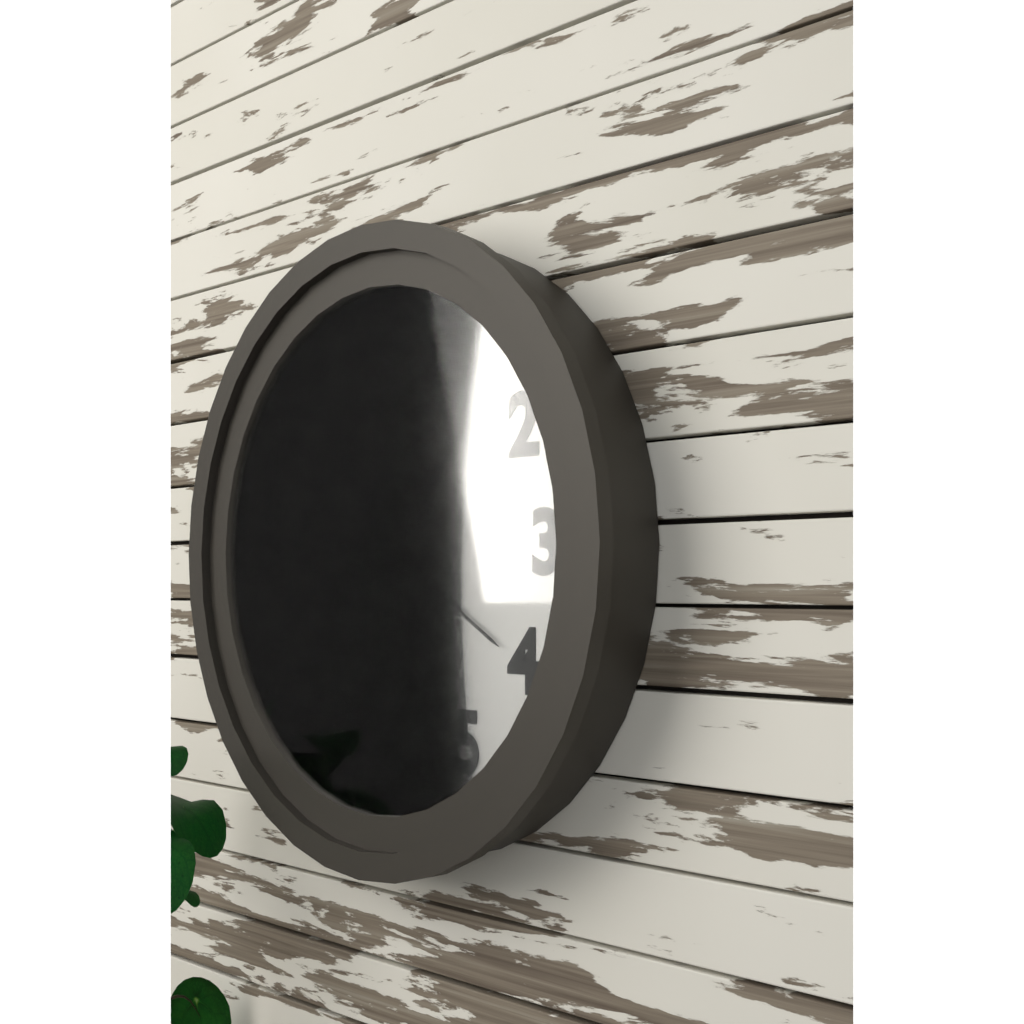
h=10 m=7 s=20
